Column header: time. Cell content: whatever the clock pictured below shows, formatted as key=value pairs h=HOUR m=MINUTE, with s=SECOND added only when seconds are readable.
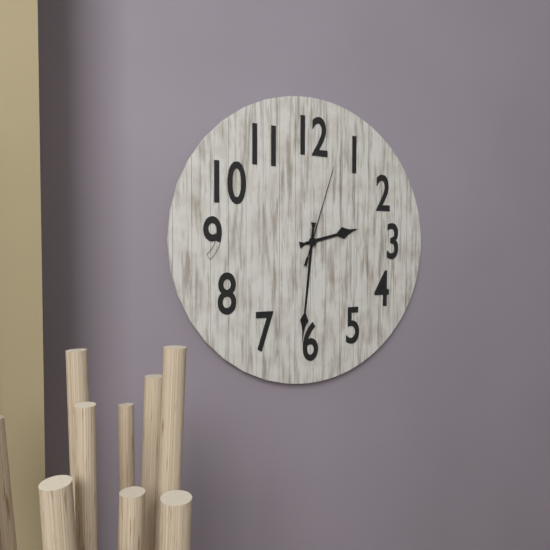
h=2 m=31 s=3
